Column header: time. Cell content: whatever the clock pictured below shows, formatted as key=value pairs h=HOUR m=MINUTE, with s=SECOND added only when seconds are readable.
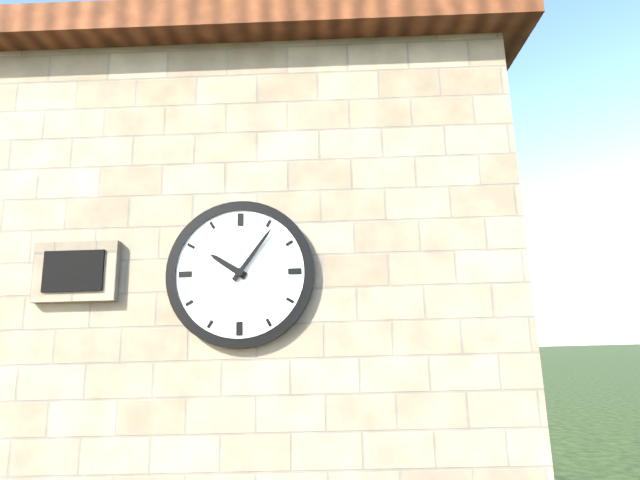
h=10 m=6
